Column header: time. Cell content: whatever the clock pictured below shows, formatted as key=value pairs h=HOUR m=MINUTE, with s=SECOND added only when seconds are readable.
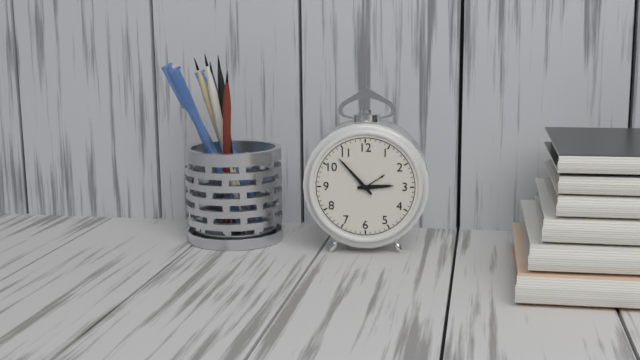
h=2 m=53
